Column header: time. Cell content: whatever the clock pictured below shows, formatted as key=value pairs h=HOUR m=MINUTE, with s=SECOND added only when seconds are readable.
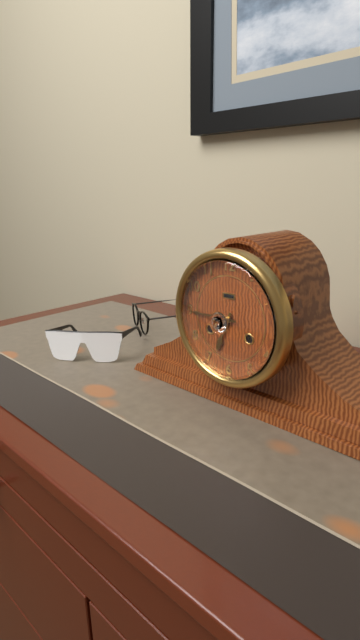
h=6 m=45
